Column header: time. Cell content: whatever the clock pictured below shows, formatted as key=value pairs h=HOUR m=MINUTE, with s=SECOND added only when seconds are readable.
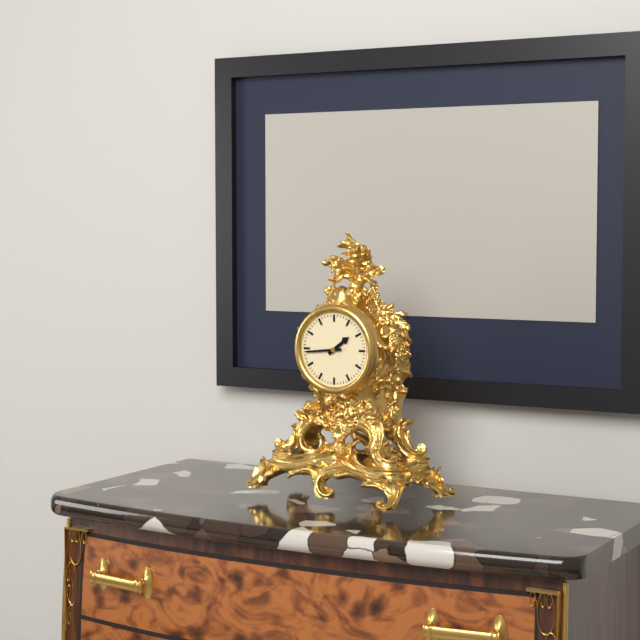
h=1 m=44
